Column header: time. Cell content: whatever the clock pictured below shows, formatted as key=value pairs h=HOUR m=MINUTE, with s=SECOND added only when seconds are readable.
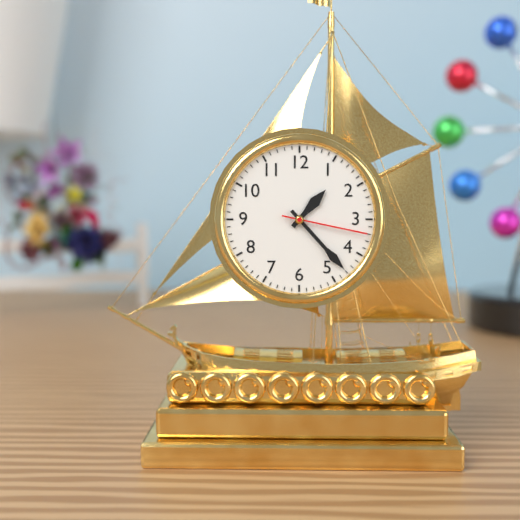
h=1 m=23 s=17
